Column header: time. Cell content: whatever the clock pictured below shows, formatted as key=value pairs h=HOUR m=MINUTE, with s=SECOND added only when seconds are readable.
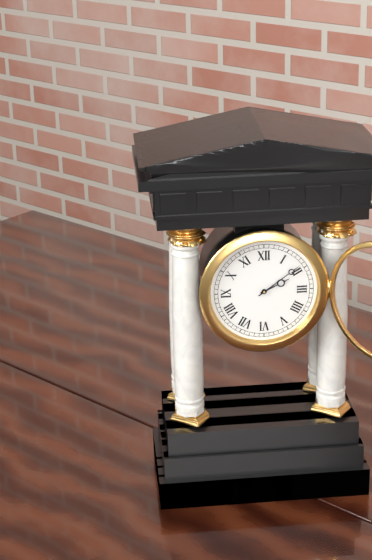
h=2 m=9
